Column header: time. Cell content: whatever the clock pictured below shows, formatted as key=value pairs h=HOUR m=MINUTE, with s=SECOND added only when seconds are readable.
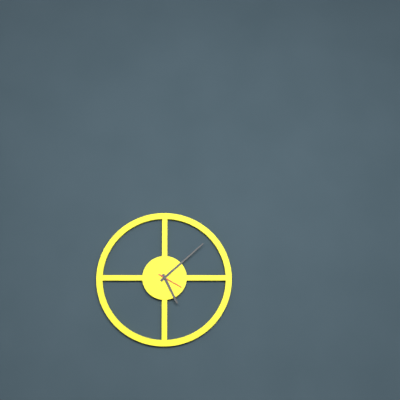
h=5 m=8
